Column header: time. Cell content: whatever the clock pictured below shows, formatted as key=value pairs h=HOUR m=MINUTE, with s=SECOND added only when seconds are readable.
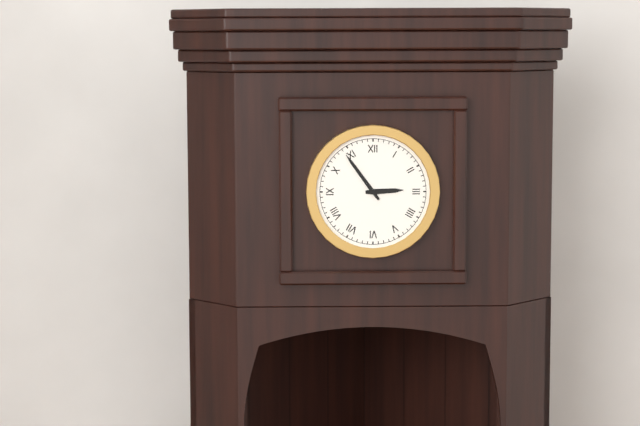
h=2 m=54
